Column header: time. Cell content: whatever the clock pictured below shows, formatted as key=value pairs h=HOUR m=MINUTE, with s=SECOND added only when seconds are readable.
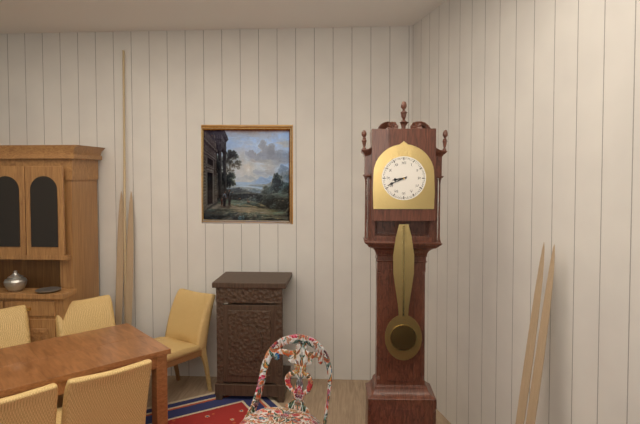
h=8 m=41
